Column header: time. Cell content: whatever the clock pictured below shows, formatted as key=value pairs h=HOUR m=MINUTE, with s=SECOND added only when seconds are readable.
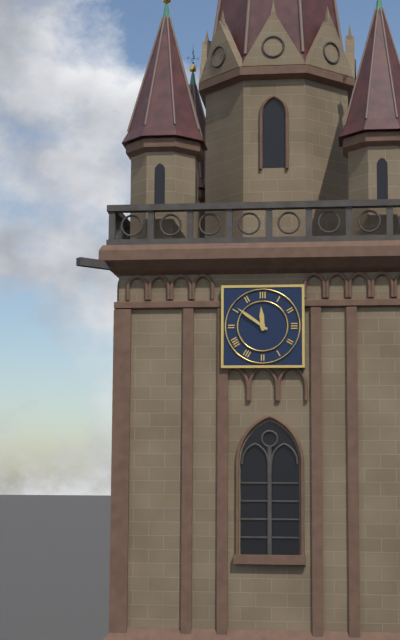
h=11 m=51
